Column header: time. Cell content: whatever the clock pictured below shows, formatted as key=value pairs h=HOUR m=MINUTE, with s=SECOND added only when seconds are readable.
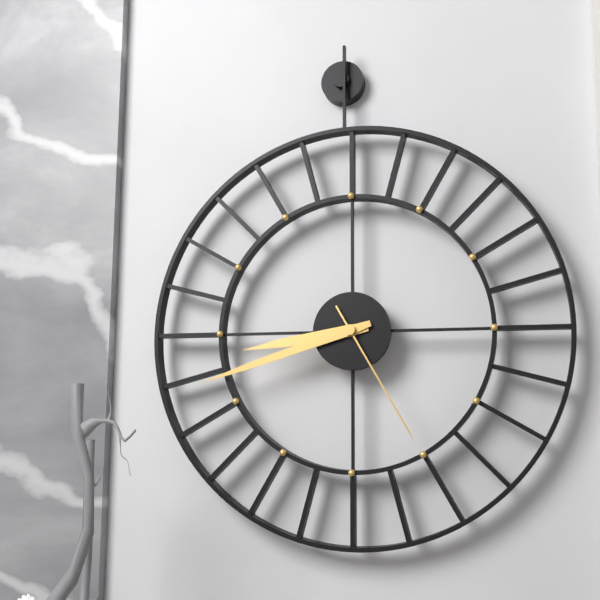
h=8 m=42 s=25
